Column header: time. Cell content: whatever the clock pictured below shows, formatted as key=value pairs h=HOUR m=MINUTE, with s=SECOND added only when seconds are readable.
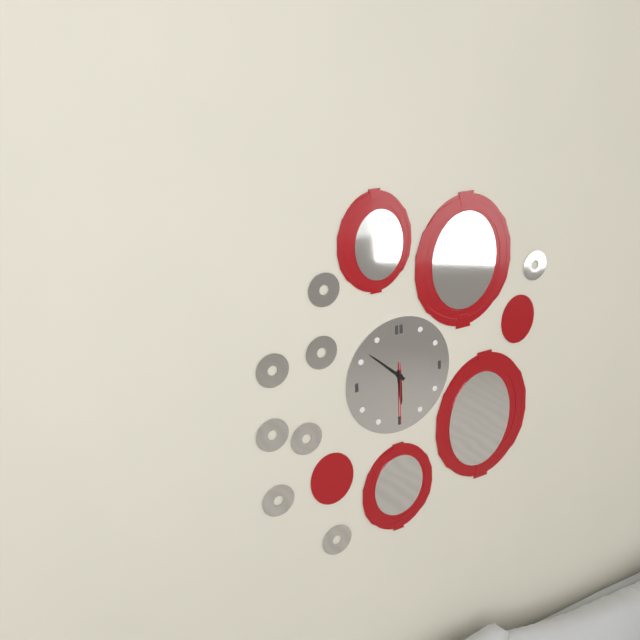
h=5 m=52 s=30
